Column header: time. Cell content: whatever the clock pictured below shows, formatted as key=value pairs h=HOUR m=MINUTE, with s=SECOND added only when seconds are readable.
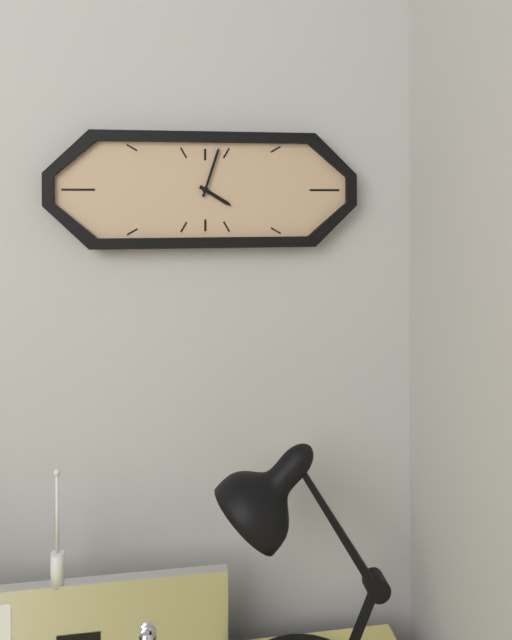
h=4 m=3
